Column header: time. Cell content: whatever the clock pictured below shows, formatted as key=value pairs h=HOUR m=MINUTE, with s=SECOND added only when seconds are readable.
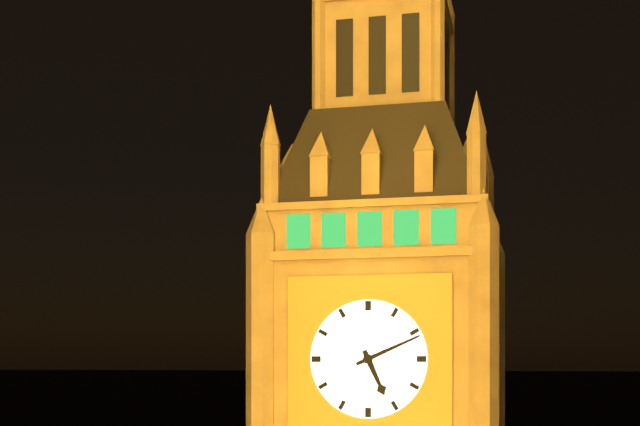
h=5 m=11
